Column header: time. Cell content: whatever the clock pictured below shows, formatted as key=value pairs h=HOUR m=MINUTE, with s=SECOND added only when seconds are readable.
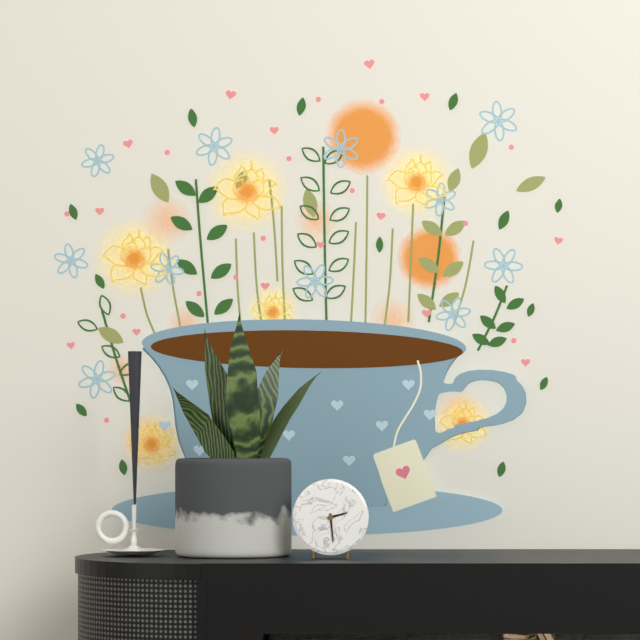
h=2 m=29
